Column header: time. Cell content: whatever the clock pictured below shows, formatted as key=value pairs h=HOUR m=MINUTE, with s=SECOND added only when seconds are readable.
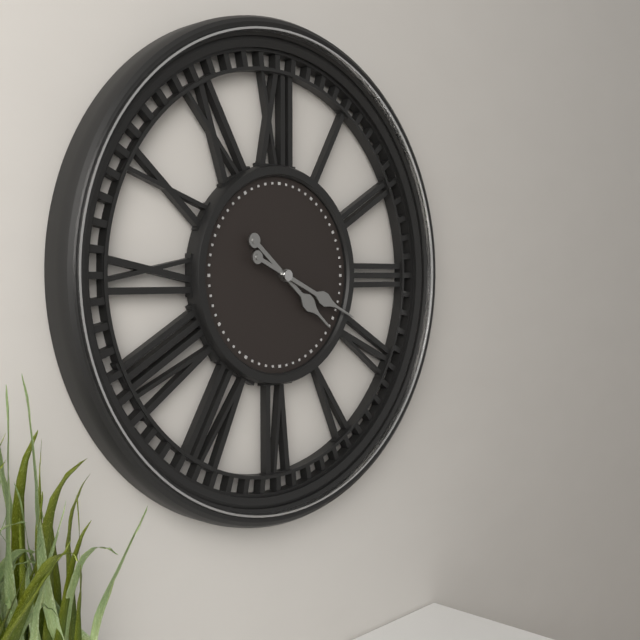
h=4 m=19
